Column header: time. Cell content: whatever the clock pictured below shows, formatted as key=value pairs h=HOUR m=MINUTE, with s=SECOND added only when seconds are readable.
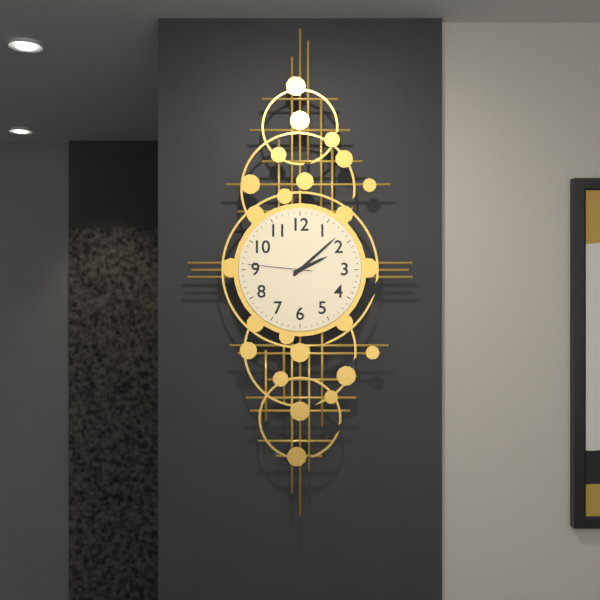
h=2 m=8 s=46
